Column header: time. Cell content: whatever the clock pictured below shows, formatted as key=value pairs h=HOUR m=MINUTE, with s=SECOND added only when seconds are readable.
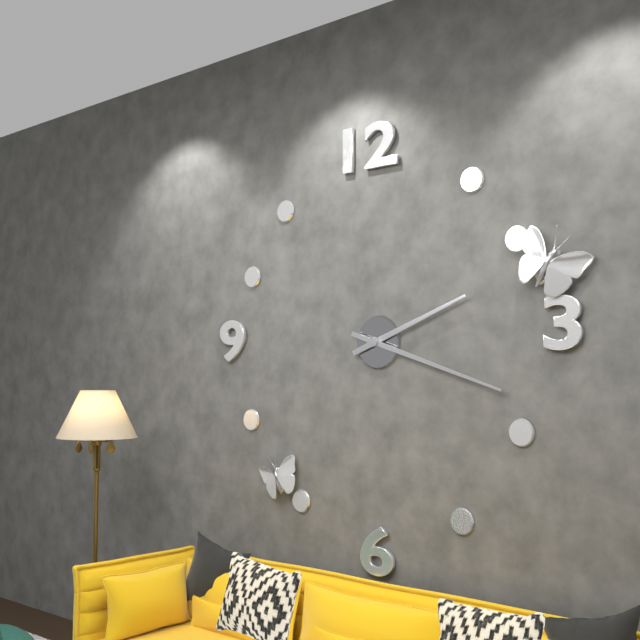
h=2 m=18
